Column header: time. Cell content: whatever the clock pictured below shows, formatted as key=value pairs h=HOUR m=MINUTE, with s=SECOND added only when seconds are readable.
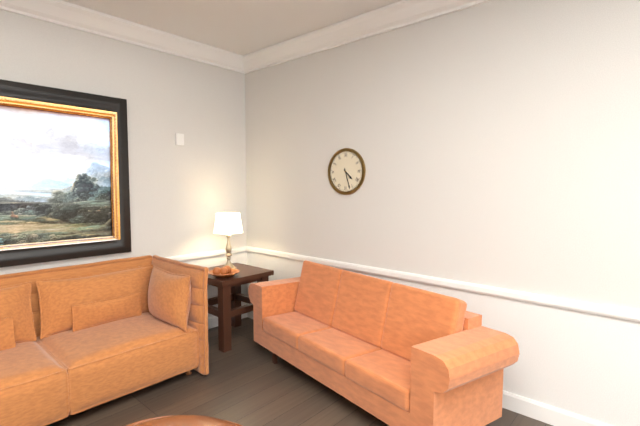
h=4 m=27
